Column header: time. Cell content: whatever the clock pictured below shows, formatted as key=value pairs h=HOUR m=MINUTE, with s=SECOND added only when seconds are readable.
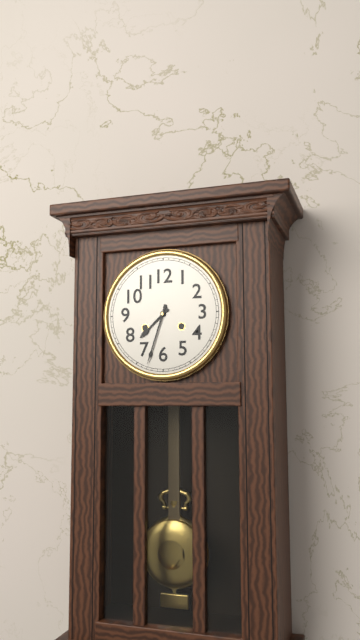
h=7 m=33
